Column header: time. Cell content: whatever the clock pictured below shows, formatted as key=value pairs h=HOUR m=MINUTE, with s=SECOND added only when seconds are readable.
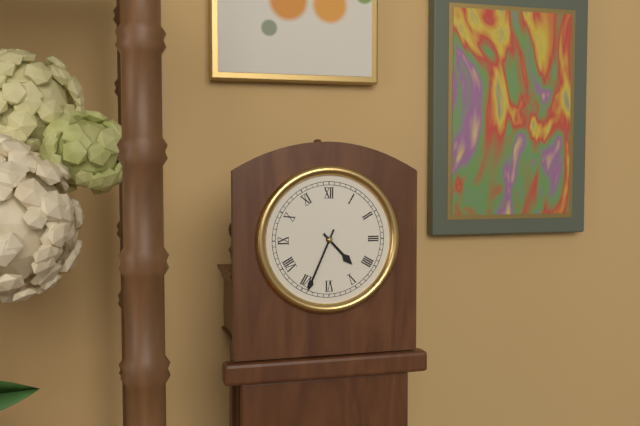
h=4 m=34
